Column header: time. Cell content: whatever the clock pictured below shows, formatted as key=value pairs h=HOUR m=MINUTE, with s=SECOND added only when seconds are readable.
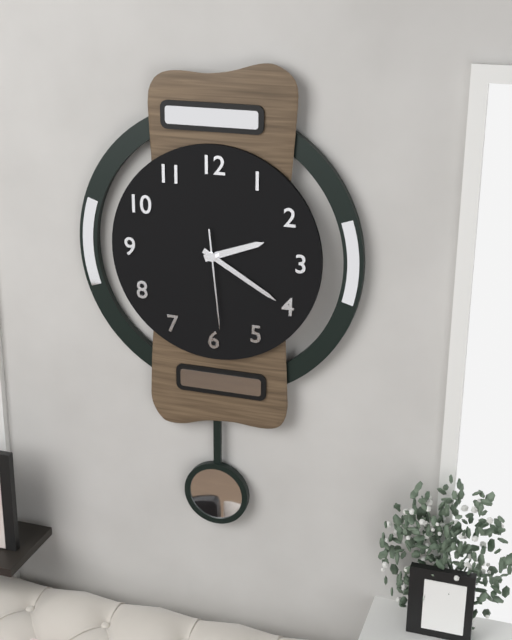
h=2 m=20 s=29
